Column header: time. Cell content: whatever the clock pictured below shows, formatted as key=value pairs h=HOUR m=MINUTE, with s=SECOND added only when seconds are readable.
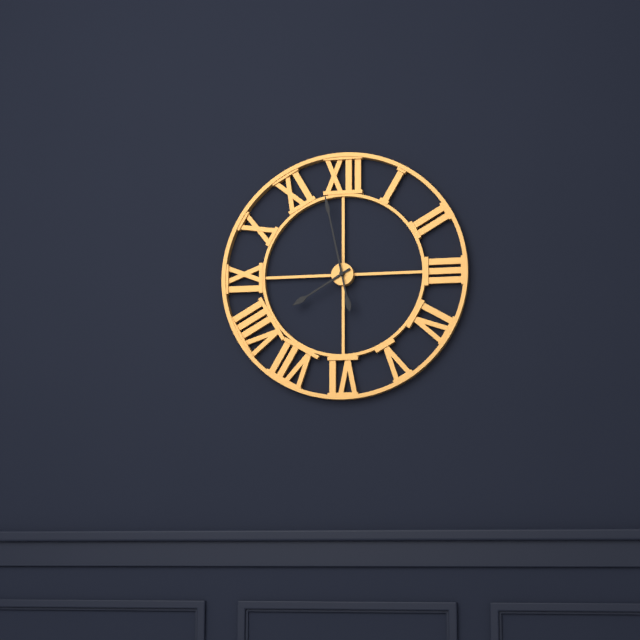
h=7 m=58
